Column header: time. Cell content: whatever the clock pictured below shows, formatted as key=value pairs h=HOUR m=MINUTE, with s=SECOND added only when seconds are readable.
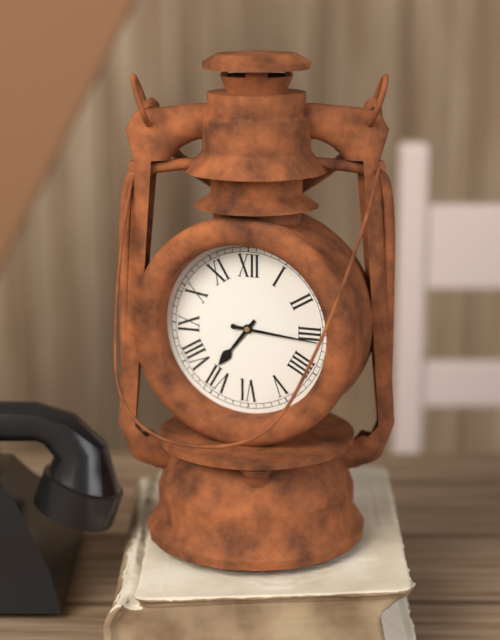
h=7 m=16
